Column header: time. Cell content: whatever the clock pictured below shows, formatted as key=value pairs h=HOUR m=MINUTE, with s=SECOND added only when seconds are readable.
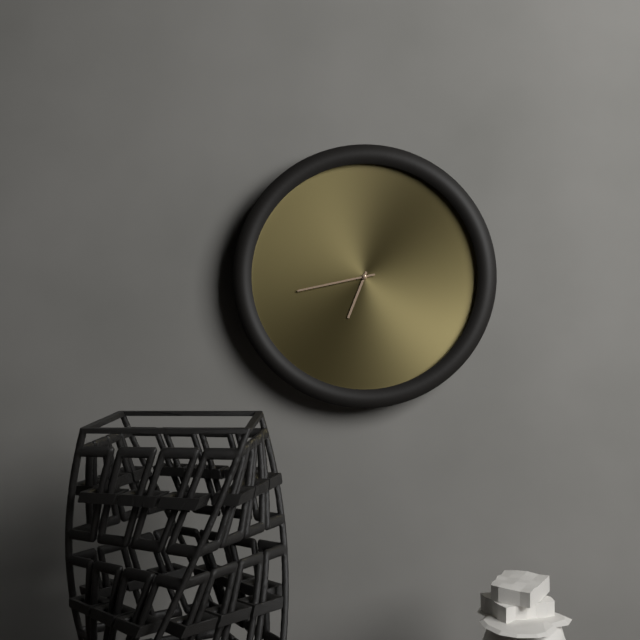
h=6 m=43
